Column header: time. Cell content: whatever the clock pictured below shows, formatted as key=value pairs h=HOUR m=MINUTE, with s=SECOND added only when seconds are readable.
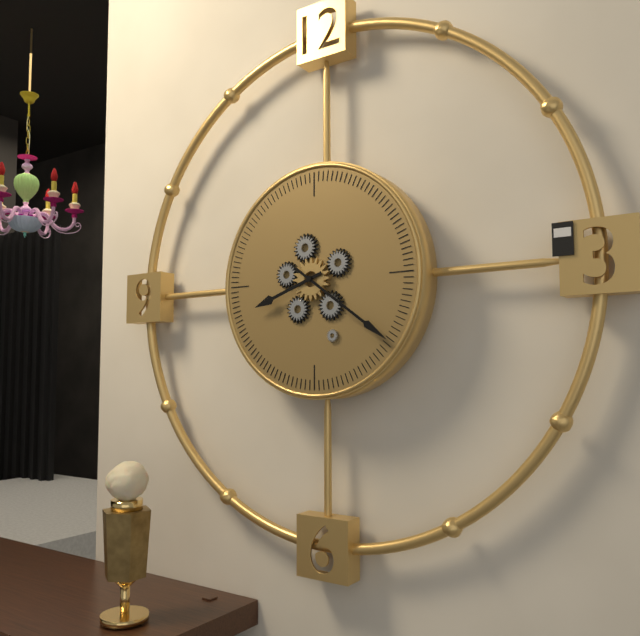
h=8 m=21
